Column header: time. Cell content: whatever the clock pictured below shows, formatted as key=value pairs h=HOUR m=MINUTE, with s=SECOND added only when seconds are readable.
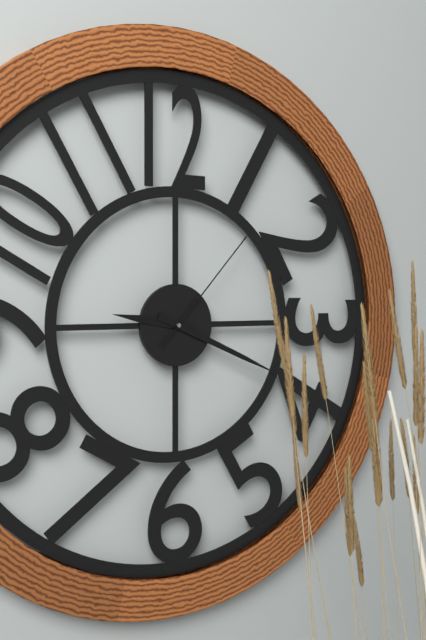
h=9 m=19 s=7
